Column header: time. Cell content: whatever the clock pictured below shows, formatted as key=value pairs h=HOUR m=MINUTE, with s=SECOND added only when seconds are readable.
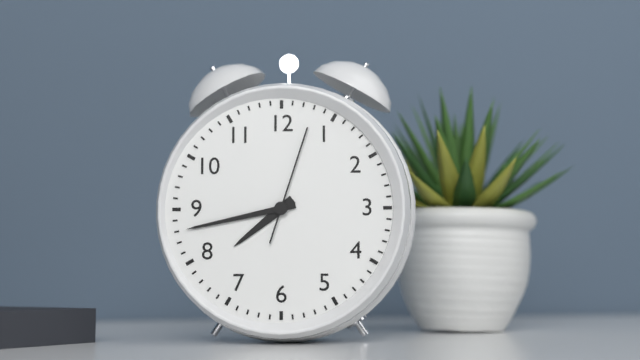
h=7 m=43 s=3
